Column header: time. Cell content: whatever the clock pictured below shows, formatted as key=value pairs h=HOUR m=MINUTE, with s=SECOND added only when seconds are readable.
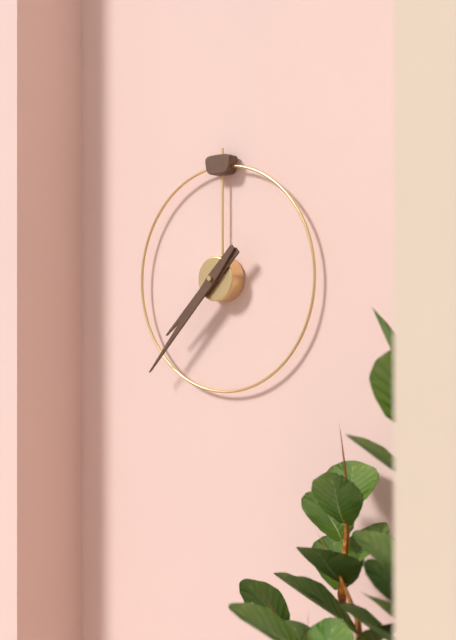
h=7 m=37
